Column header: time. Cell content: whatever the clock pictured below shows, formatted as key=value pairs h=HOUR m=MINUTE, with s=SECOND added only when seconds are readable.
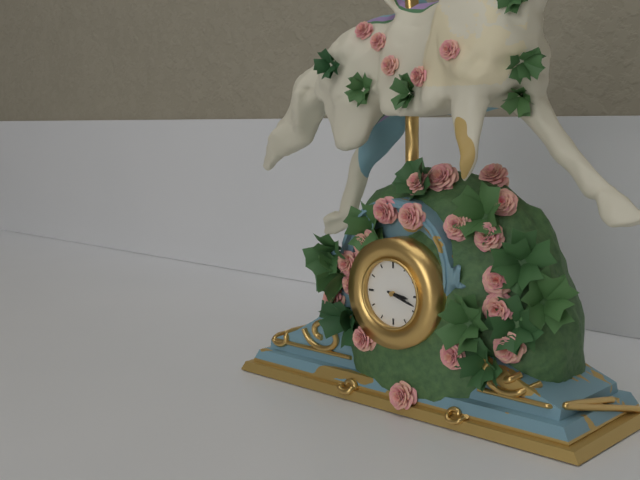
h=3 m=18
